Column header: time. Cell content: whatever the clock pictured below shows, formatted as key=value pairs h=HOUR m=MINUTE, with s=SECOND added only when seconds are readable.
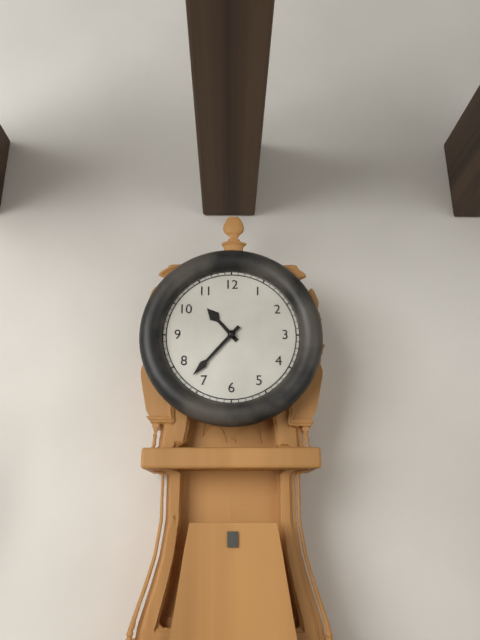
h=10 m=37
